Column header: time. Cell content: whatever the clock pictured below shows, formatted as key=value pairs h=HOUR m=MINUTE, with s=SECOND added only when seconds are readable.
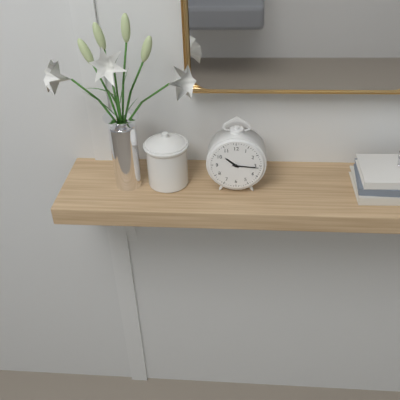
h=10 m=16
